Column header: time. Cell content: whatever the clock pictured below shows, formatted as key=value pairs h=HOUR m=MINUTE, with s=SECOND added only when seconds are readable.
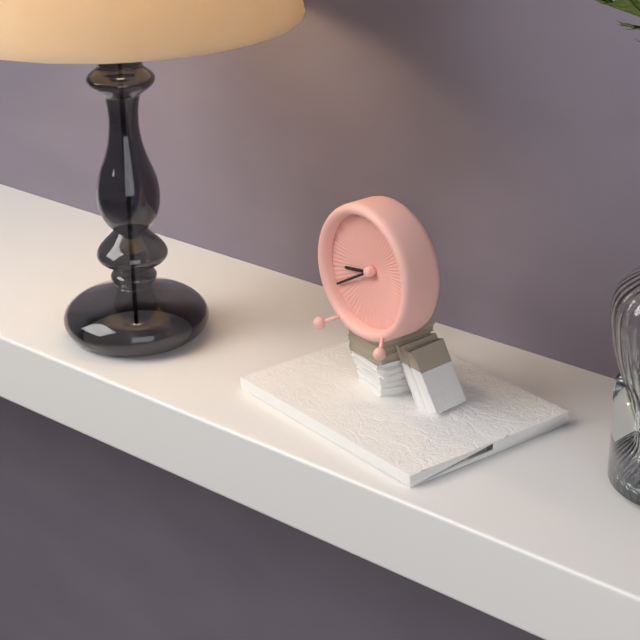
h=8 m=40
